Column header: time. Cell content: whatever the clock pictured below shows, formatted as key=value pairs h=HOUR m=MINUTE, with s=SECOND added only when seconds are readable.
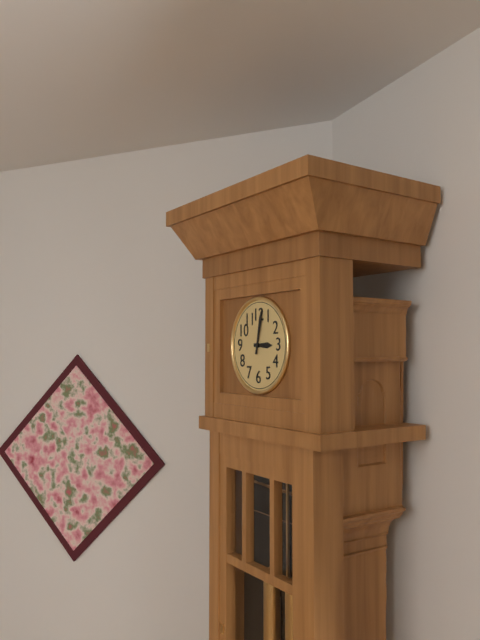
h=3 m=2
